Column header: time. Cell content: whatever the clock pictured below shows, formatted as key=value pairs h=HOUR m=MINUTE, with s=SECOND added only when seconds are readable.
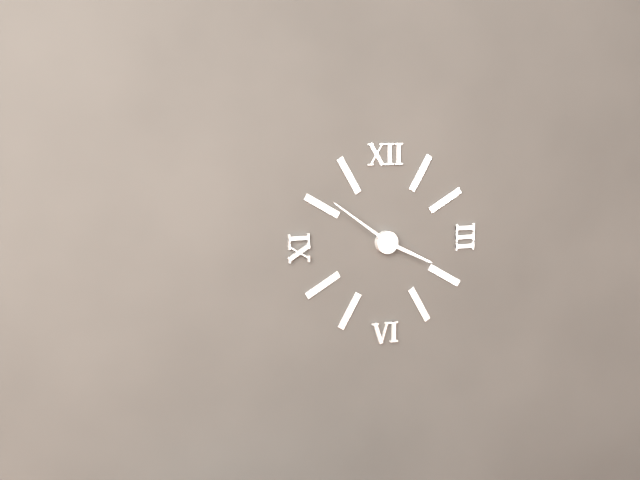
h=3 m=51
